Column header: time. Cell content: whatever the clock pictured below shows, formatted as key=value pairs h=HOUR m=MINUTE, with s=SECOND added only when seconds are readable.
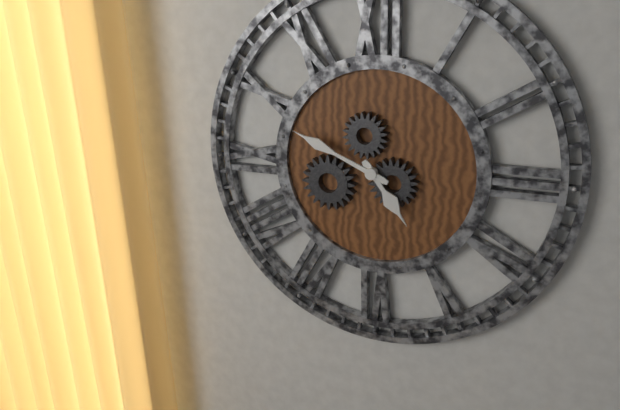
h=4 m=49
